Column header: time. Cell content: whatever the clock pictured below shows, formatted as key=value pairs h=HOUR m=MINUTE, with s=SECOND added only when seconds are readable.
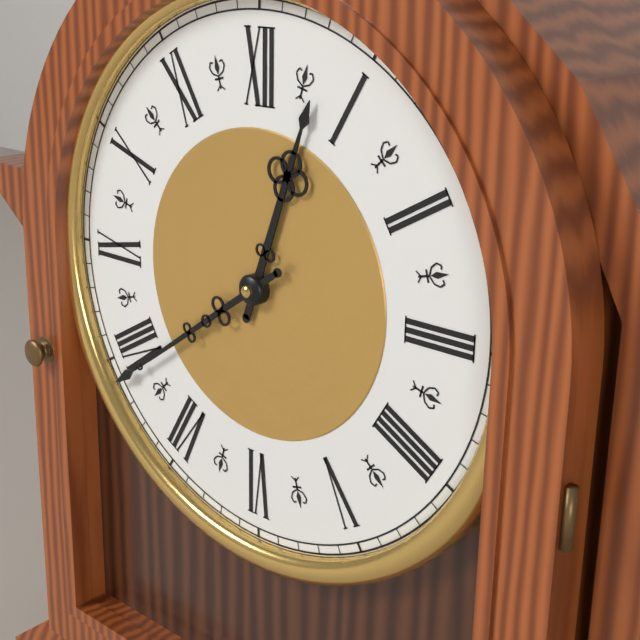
h=12 m=39
